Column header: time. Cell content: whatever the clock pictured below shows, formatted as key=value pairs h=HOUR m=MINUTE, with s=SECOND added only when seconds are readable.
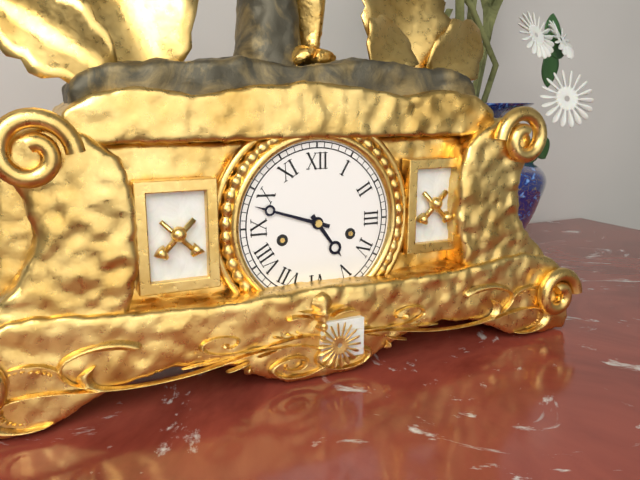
h=4 m=48
